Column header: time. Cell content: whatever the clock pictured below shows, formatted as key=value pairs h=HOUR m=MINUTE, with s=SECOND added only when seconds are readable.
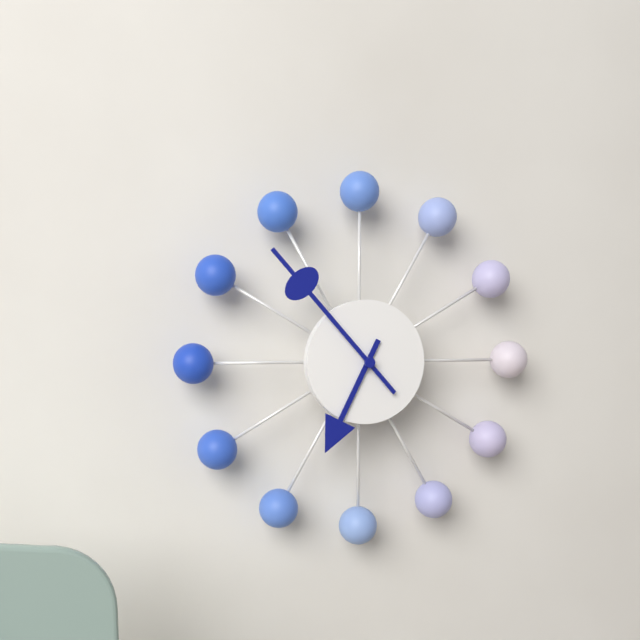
h=6 m=53
